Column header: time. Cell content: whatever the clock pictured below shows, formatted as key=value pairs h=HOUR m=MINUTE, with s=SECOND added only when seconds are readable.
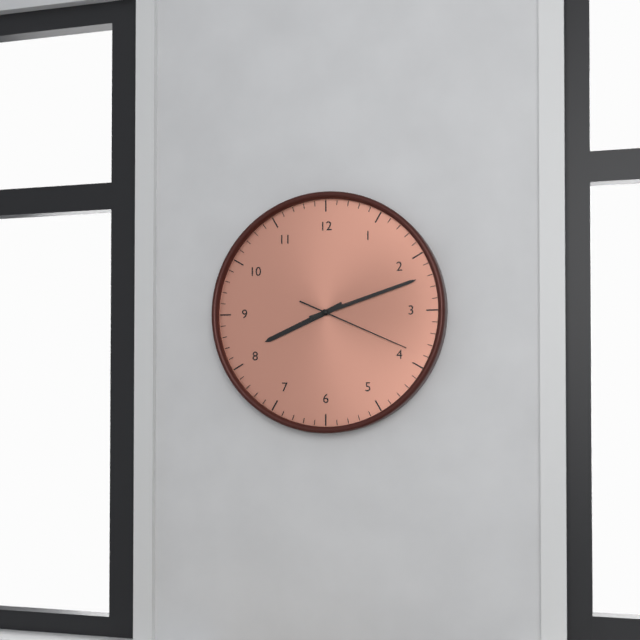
h=8 m=12 s=19
